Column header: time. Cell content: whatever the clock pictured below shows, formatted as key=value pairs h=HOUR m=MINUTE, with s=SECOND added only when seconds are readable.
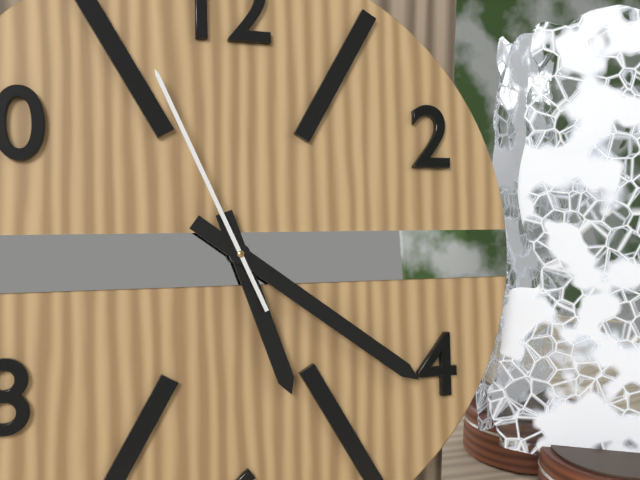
h=5 m=21 s=56
